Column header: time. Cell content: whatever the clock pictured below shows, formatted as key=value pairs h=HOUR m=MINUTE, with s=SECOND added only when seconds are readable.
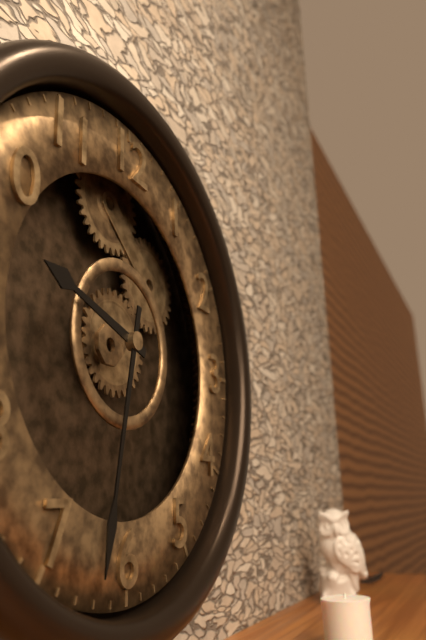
h=9 m=32
